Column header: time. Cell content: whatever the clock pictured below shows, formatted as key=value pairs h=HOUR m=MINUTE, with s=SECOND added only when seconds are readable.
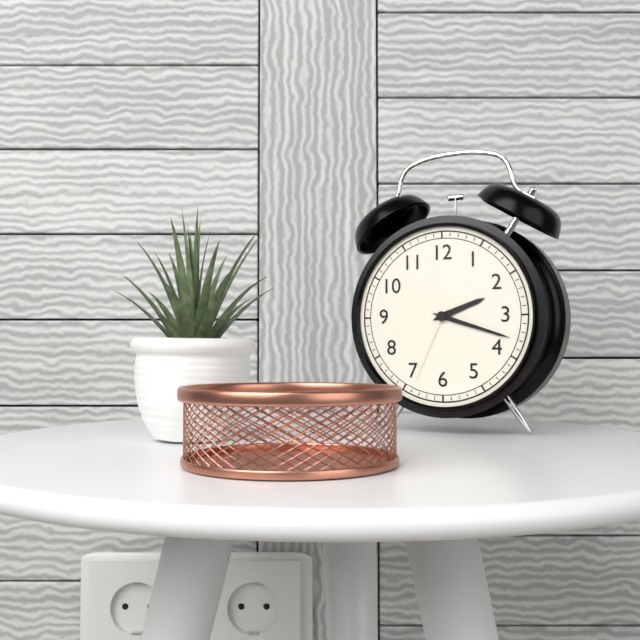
h=2 m=18 s=34
